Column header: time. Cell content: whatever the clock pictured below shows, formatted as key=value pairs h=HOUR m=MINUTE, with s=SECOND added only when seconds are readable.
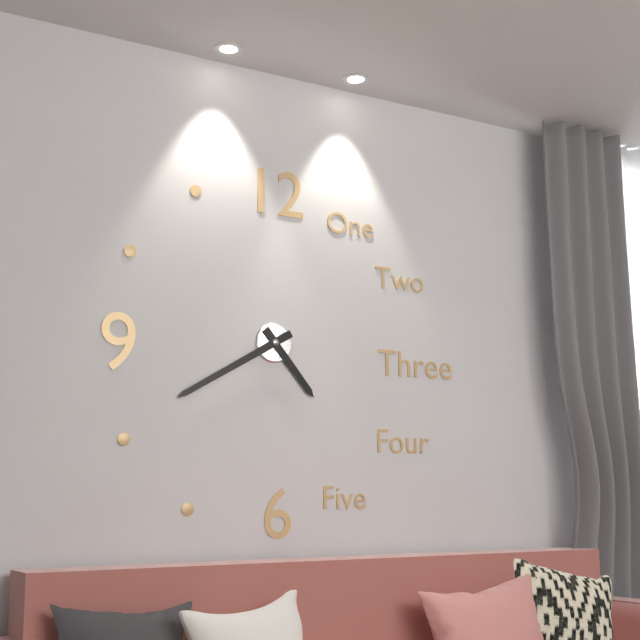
h=4 m=40
